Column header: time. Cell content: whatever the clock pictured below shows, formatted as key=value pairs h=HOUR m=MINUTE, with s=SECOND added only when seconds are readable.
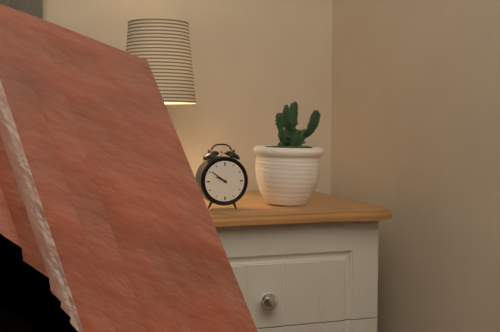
h=9 m=51
